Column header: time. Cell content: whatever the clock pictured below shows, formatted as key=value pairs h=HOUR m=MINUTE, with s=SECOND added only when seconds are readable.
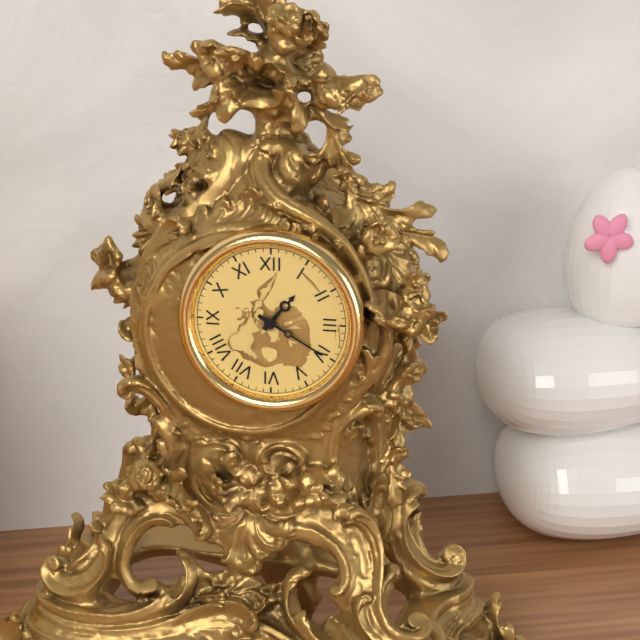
h=1 m=20
